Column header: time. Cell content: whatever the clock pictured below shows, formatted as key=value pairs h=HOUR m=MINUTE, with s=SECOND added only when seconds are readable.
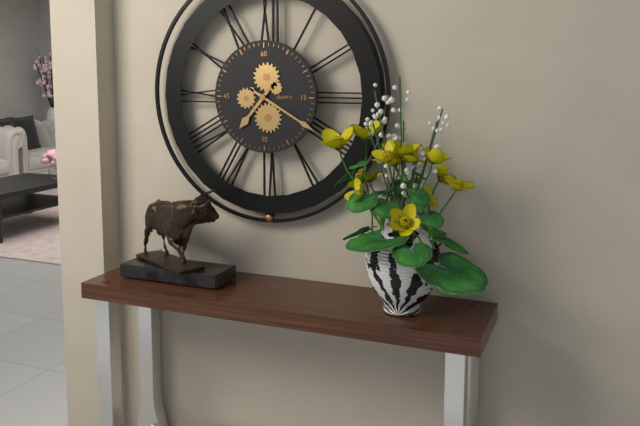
h=7 m=20
